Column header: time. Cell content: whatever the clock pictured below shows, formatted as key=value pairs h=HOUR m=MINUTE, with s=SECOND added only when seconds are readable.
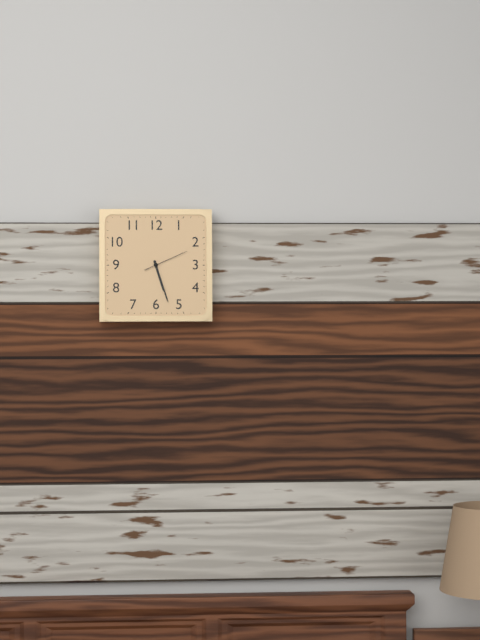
h=5 m=27
